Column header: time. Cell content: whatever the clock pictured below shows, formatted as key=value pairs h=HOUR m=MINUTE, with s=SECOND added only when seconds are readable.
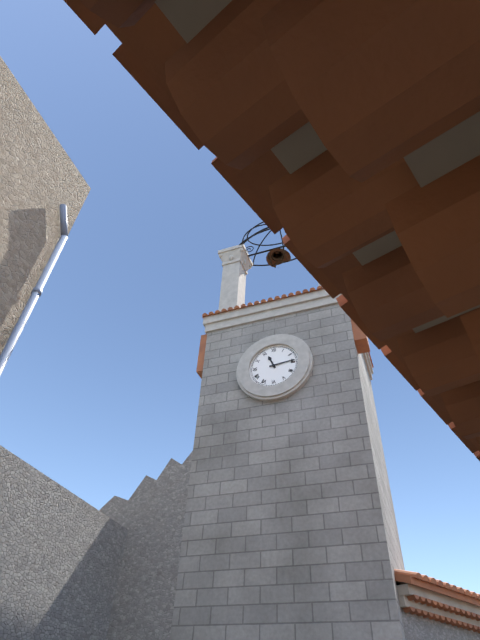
h=11 m=14
